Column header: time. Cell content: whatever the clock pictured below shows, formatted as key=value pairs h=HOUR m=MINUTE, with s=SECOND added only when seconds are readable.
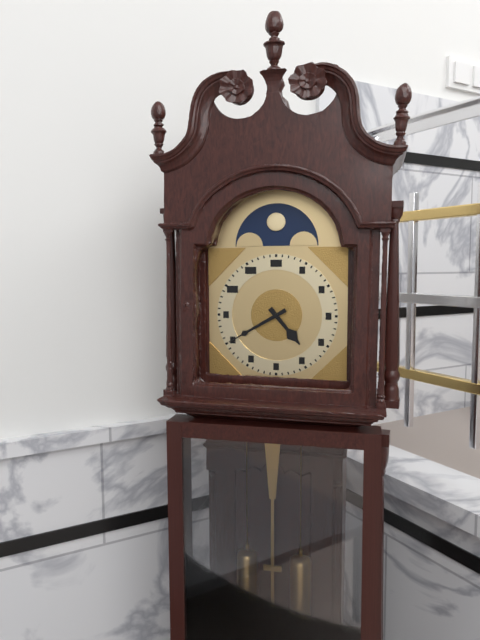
h=4 m=40
